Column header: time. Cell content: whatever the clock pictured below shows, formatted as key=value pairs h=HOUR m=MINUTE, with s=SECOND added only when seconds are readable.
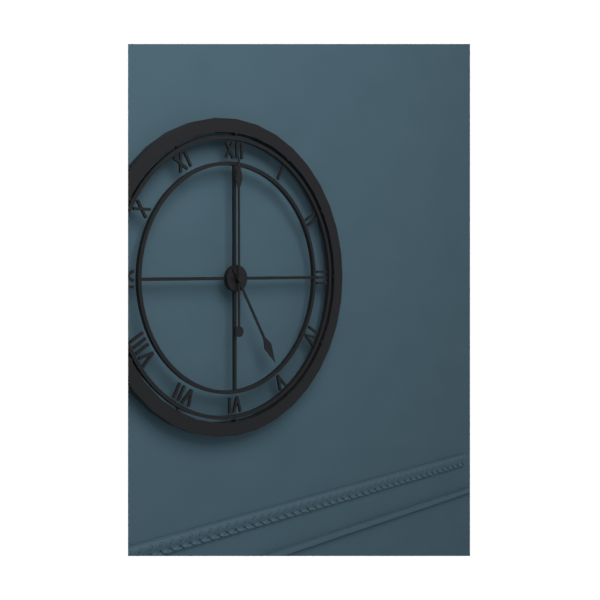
h=5 m=0
